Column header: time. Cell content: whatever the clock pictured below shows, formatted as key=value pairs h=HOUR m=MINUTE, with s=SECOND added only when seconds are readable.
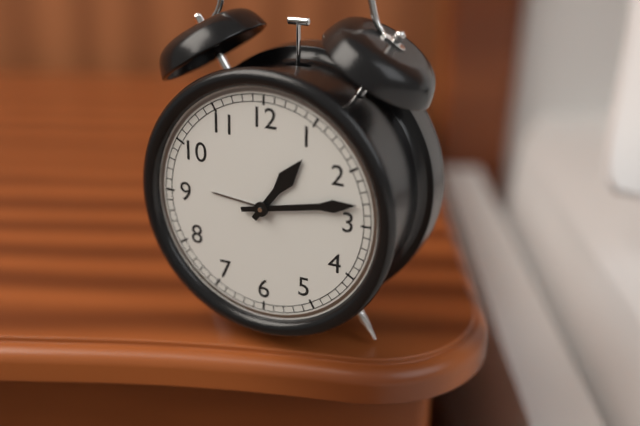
h=1 m=13
